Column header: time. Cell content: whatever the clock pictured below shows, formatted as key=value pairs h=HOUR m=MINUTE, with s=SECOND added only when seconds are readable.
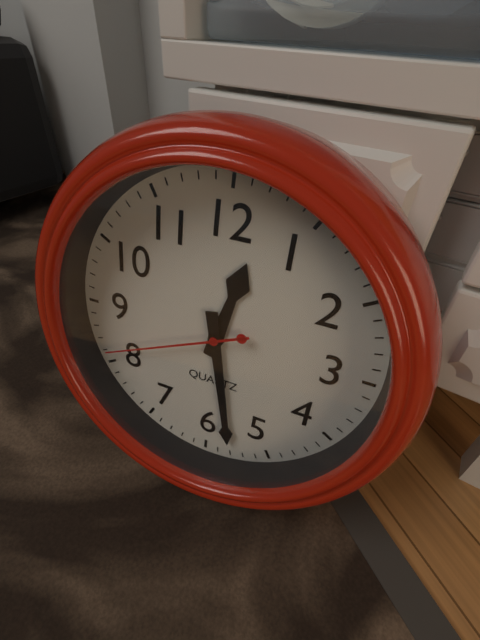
h=12 m=28 s=41
